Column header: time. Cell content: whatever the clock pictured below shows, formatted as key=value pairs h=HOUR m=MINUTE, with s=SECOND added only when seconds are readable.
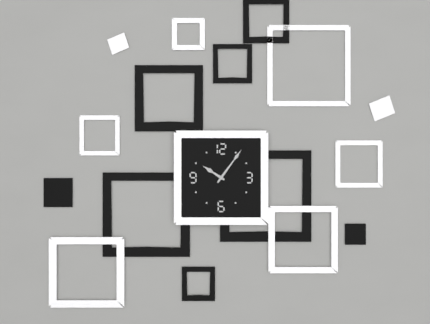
h=10 m=6
